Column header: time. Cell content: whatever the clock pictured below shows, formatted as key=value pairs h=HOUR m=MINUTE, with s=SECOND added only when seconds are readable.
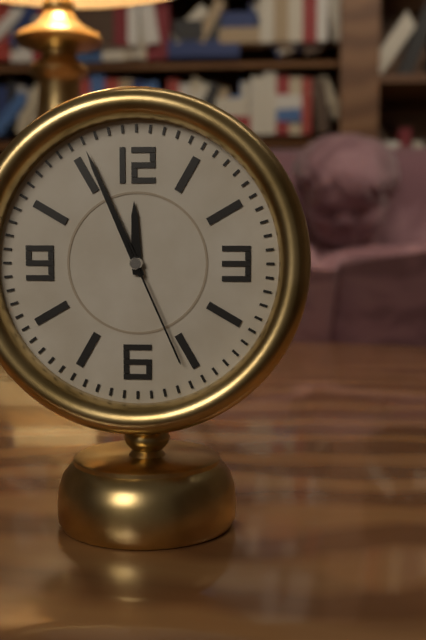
h=11 m=56 s=26
